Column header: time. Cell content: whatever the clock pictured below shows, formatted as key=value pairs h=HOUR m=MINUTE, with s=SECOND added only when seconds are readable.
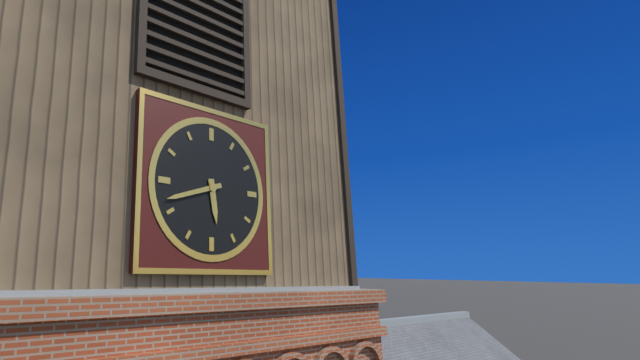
h=5 m=42
